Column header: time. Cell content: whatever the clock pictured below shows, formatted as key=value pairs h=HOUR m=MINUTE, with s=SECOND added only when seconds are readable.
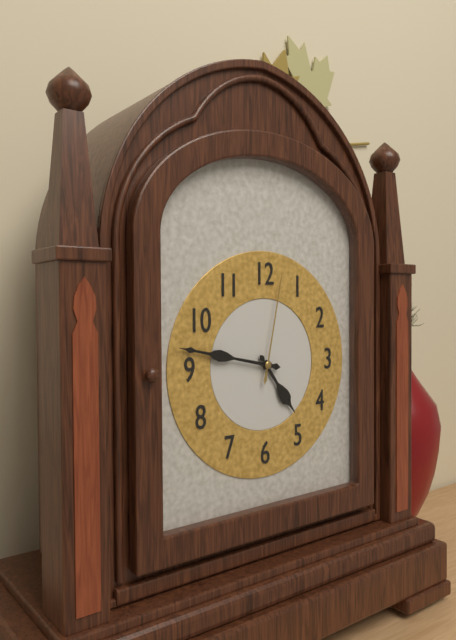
h=4 m=47 s=2
